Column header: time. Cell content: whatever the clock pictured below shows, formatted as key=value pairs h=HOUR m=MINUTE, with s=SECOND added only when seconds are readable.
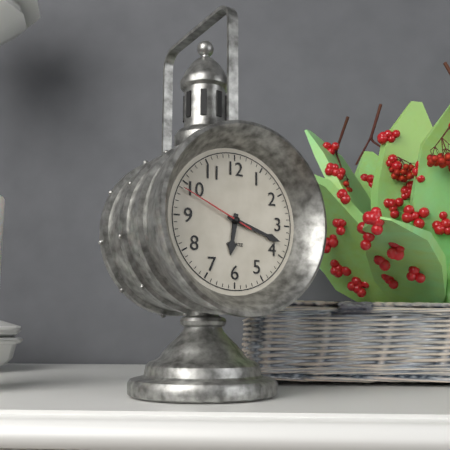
h=6 m=18 s=49
